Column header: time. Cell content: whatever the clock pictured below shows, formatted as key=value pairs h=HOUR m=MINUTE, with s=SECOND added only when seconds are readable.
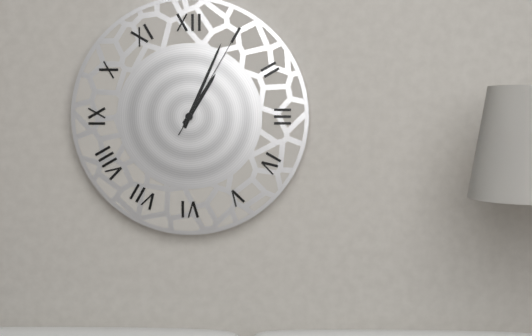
h=1 m=4 s=5
